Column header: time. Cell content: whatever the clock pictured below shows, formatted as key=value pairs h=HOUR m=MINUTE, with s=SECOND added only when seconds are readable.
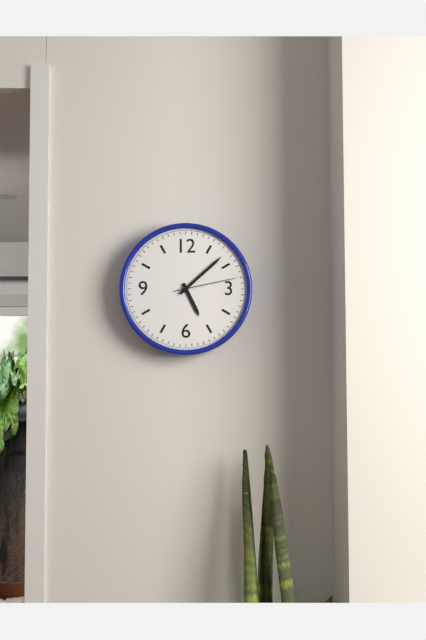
h=5 m=8 s=13
